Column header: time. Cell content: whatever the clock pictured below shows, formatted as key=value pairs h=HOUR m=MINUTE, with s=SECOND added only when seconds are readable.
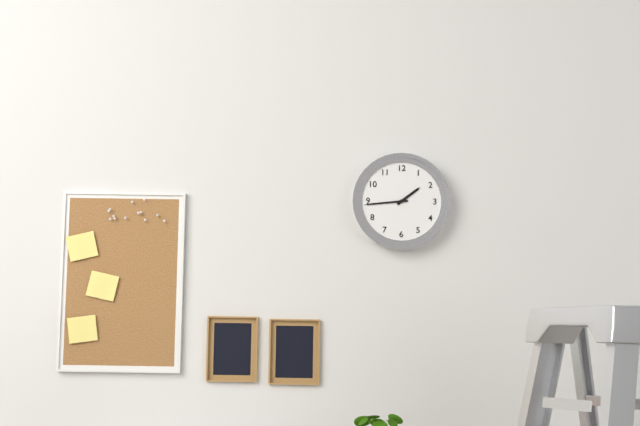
h=1 m=44
